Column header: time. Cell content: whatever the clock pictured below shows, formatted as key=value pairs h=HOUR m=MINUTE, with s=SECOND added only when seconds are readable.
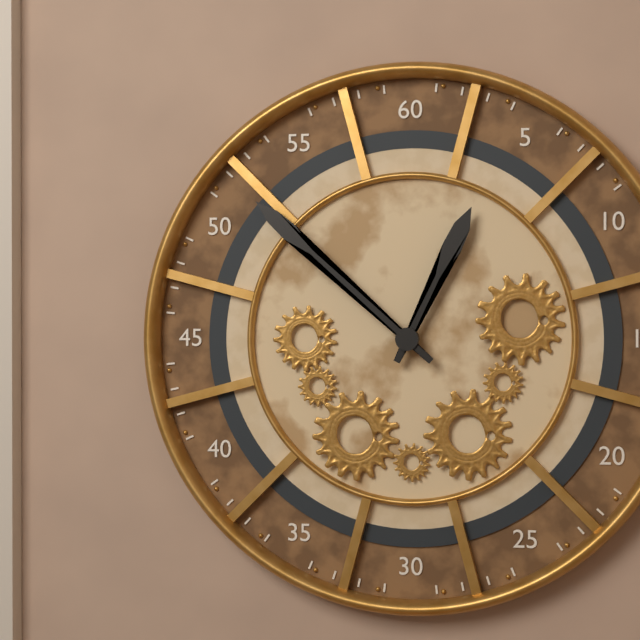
h=12 m=52
